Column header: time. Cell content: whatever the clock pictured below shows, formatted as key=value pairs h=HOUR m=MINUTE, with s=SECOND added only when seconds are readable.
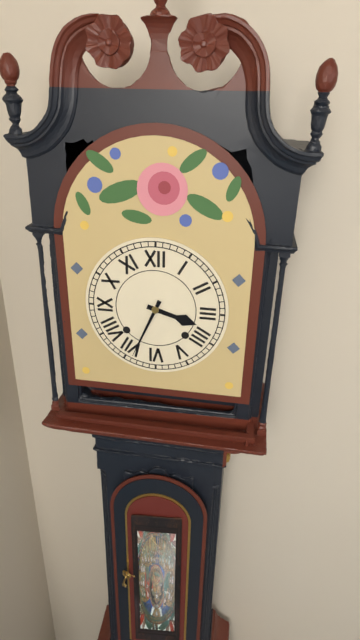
h=3 m=34
